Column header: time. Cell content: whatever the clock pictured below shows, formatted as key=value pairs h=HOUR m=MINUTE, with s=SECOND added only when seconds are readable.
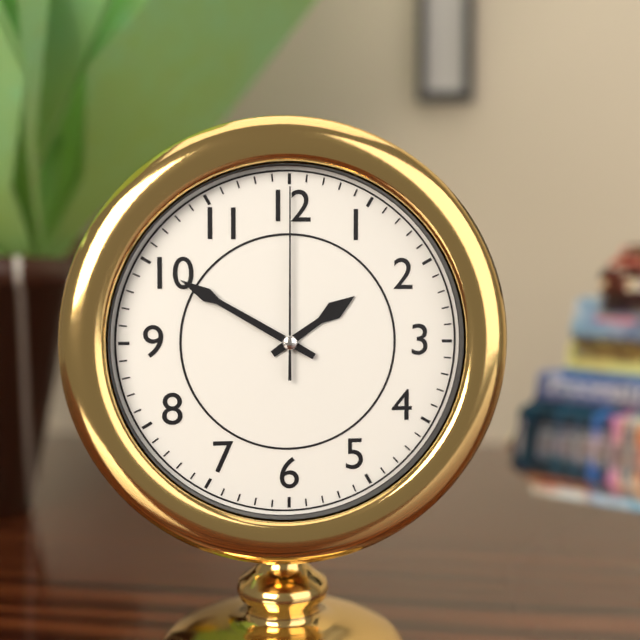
h=1 m=50 s=0
